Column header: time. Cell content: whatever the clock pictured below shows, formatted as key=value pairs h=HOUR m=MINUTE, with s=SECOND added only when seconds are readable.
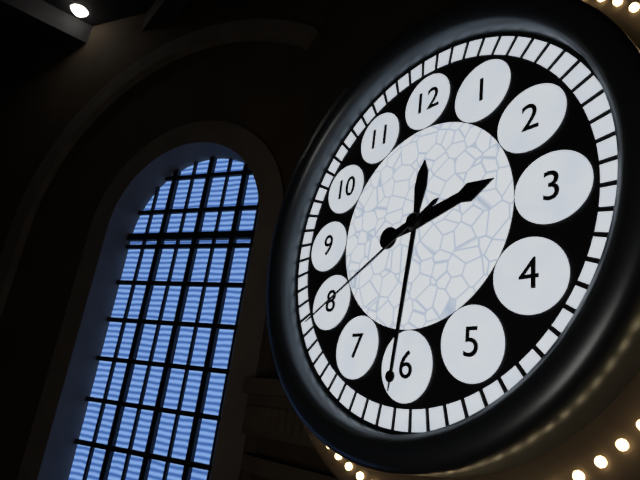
h=2 m=31 s=40
